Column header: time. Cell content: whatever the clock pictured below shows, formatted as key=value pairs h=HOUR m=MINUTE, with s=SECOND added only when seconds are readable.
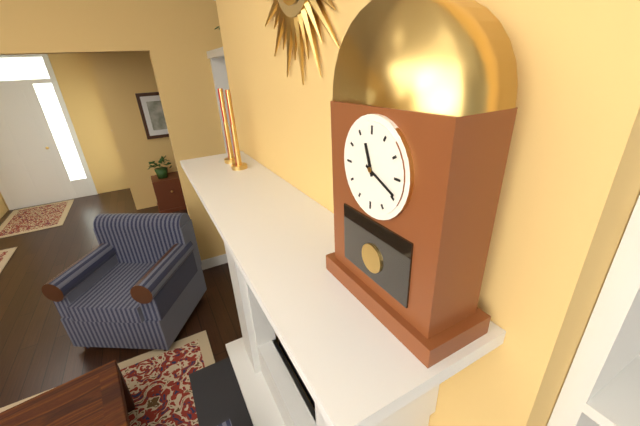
h=11 m=19
